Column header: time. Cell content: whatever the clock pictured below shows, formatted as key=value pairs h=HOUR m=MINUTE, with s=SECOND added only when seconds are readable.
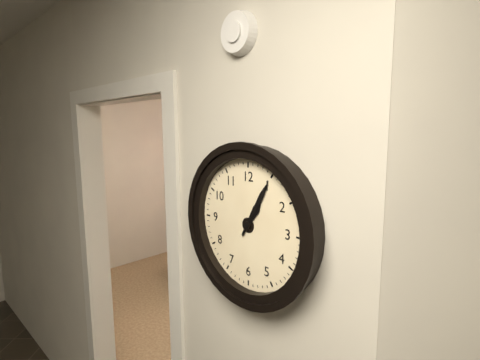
h=1 m=5
